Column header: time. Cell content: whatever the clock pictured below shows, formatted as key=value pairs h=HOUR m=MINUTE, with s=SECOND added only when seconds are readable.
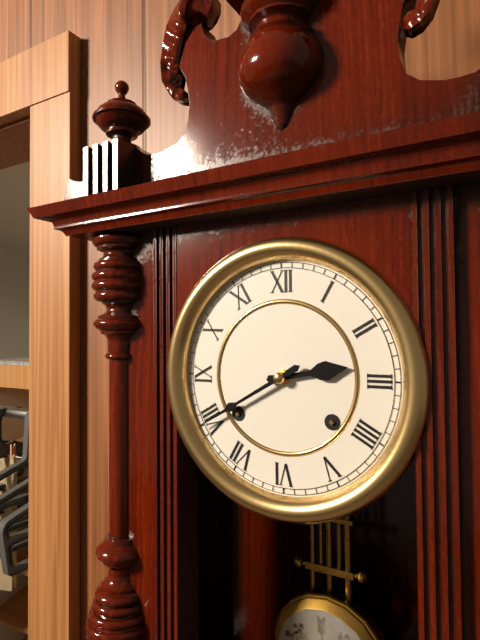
h=2 m=40
